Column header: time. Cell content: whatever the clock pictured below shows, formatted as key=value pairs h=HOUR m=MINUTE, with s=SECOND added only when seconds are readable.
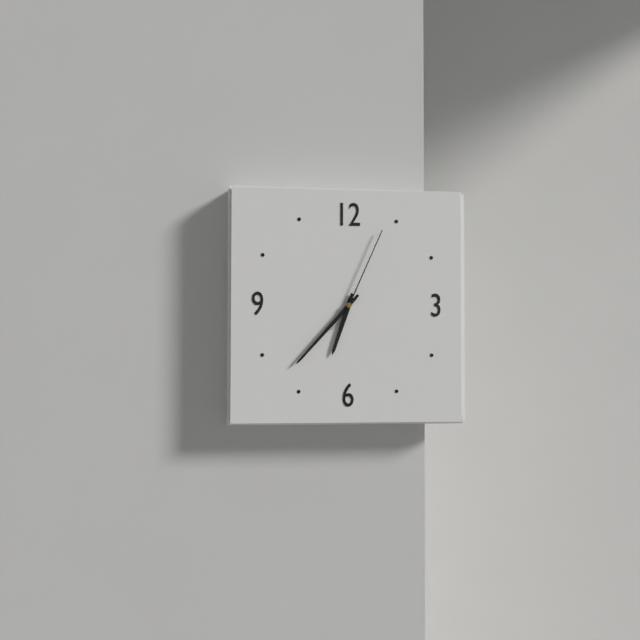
h=6 m=37 s=4
